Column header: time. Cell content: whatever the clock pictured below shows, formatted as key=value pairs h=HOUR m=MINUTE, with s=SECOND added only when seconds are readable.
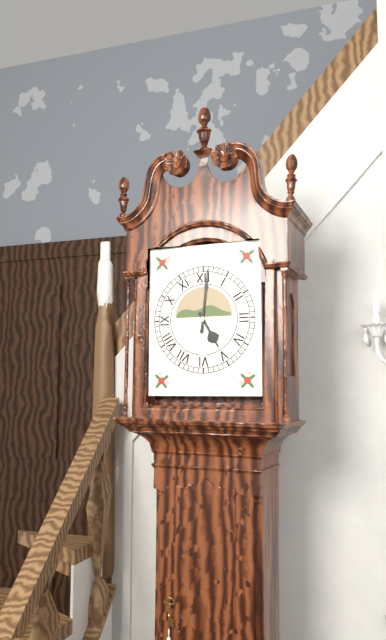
h=5 m=1
